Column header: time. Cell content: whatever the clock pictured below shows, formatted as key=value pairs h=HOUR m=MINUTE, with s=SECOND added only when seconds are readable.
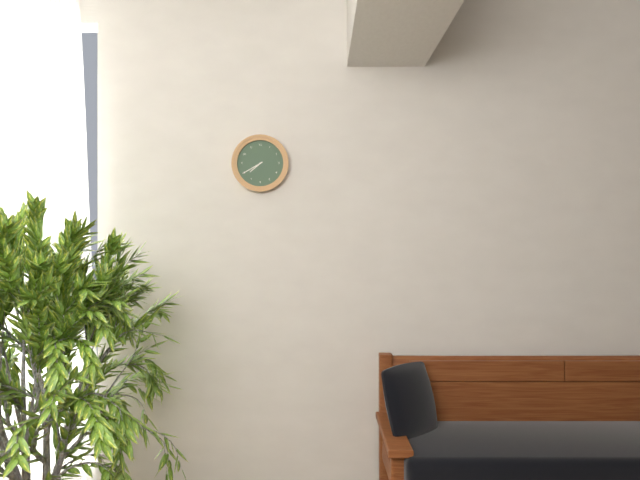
h=7 m=40
